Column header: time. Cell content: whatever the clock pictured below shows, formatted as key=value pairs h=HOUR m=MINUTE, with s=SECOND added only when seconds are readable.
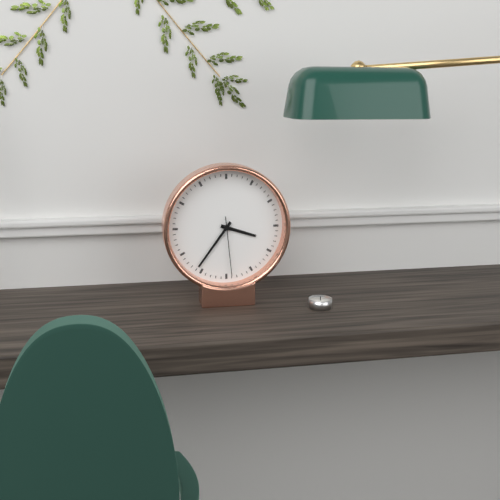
h=3 m=36 s=29
